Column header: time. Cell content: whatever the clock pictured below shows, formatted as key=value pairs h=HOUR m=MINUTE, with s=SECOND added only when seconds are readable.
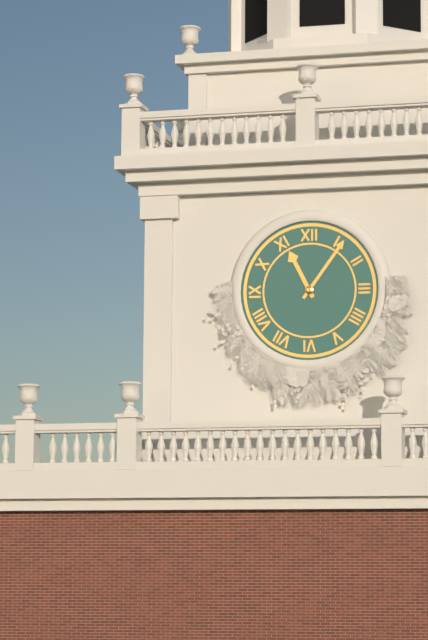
h=11 m=6
